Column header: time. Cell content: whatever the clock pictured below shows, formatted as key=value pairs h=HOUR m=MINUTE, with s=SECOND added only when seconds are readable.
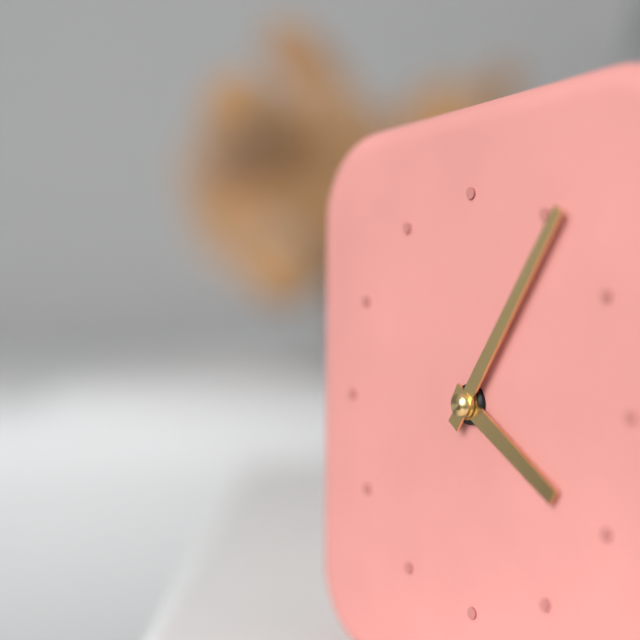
h=4 m=6
